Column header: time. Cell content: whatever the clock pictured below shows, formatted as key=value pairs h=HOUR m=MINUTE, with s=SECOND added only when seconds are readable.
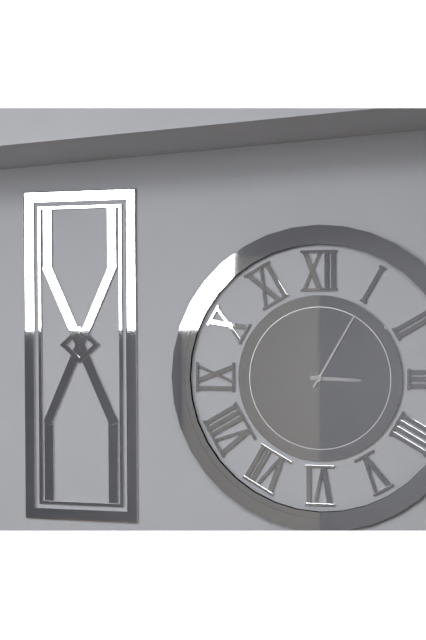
h=3 m=5
